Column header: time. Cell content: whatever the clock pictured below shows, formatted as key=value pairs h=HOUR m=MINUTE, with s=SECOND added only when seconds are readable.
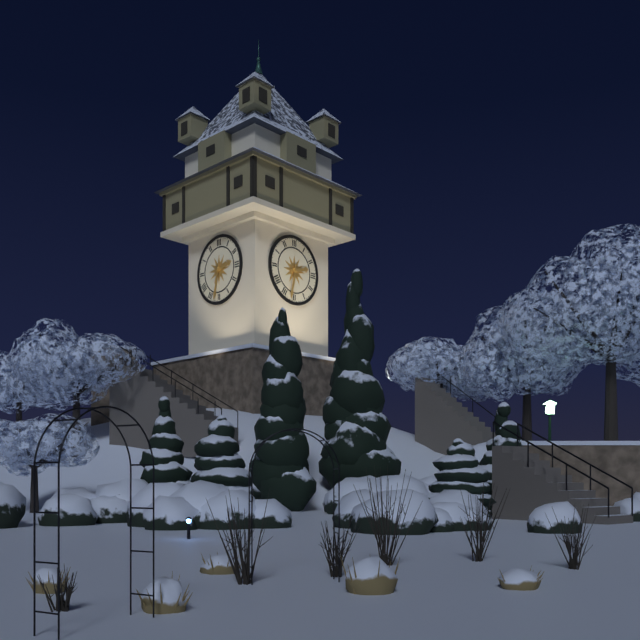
h=2 m=32
